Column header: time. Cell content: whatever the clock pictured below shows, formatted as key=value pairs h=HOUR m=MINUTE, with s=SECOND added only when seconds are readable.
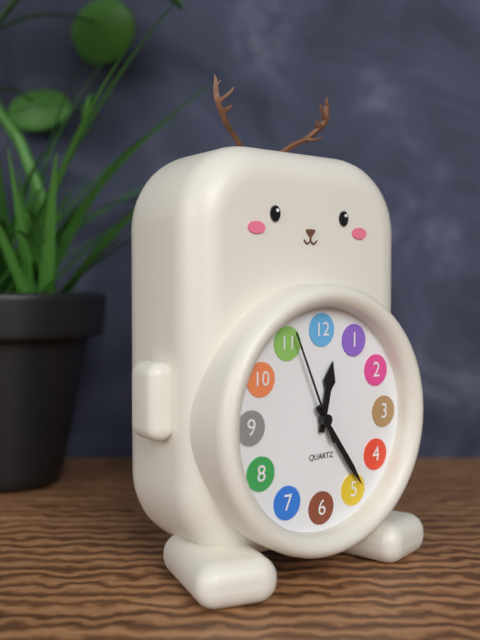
h=12 m=24 s=56
